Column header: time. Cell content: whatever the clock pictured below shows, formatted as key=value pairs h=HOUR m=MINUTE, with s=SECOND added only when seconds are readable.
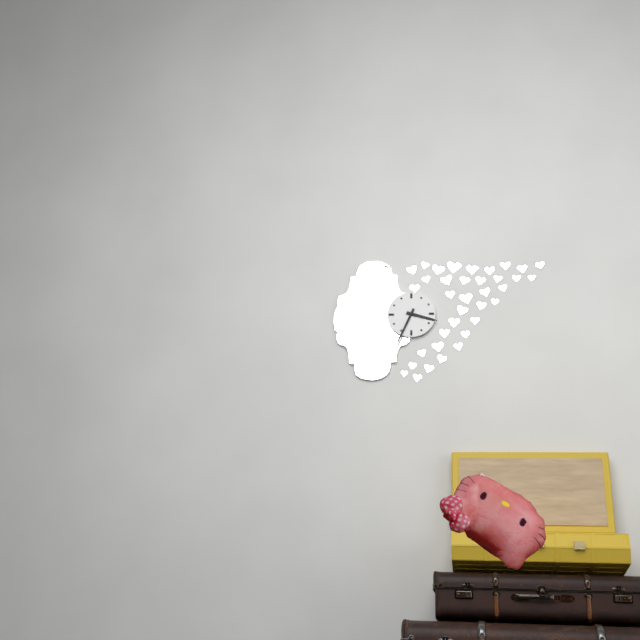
h=3 m=34
